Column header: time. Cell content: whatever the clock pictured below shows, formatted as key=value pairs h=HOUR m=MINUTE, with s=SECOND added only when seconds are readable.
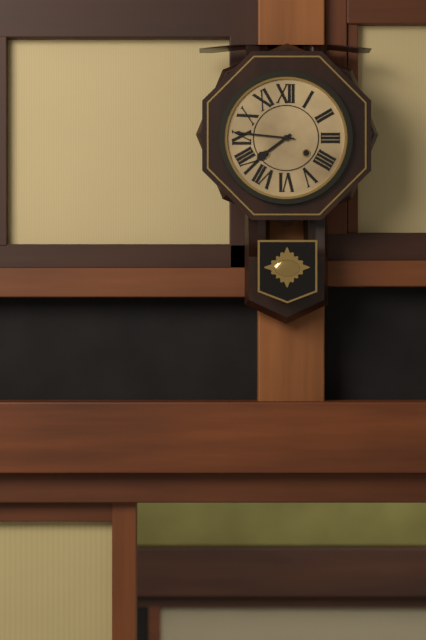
h=7 m=46
